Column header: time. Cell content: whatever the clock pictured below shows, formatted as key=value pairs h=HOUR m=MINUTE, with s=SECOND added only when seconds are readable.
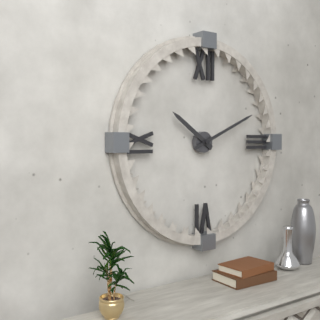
h=10 m=11
